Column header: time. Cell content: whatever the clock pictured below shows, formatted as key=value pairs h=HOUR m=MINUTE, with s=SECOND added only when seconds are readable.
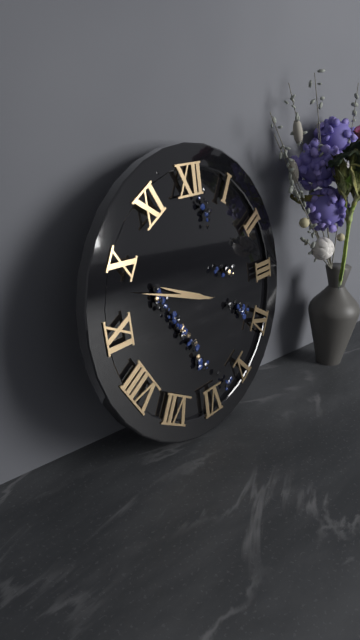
h=9 m=48
